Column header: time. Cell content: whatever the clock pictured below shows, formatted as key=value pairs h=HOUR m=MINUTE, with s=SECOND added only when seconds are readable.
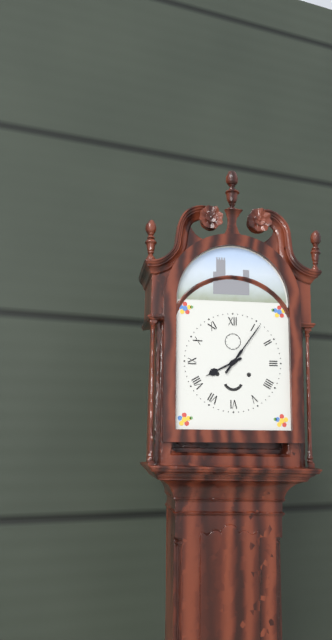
h=8 m=6
